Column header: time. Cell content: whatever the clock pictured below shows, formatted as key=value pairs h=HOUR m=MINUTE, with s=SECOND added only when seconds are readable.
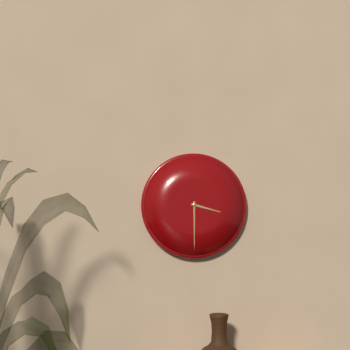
h=3 m=30
